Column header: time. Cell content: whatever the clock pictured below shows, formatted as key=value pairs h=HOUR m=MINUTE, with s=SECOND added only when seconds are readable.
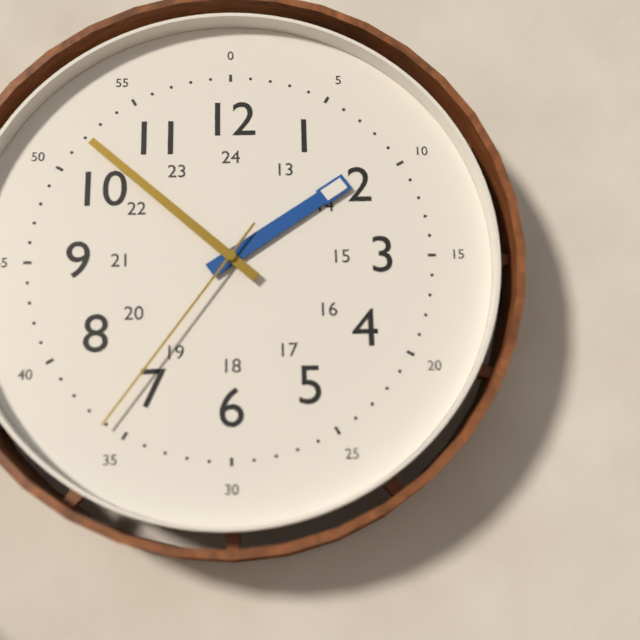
h=1 m=52 s=36
